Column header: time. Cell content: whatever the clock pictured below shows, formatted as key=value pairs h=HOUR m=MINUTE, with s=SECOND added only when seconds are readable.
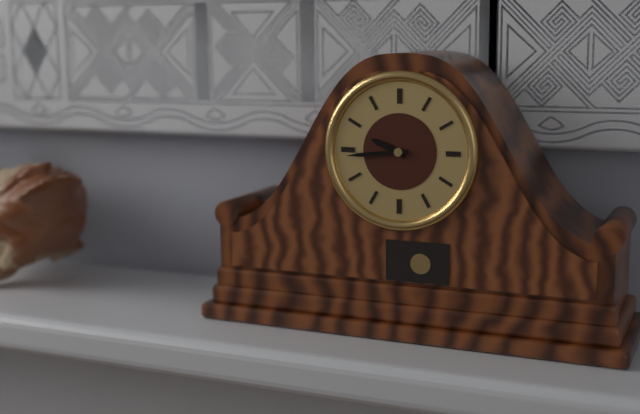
h=9 m=44
